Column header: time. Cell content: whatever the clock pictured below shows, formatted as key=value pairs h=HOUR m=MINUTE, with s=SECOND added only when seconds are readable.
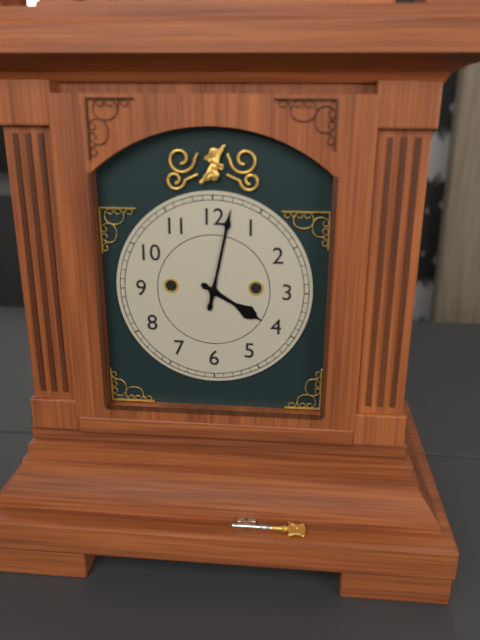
h=4 m=2
